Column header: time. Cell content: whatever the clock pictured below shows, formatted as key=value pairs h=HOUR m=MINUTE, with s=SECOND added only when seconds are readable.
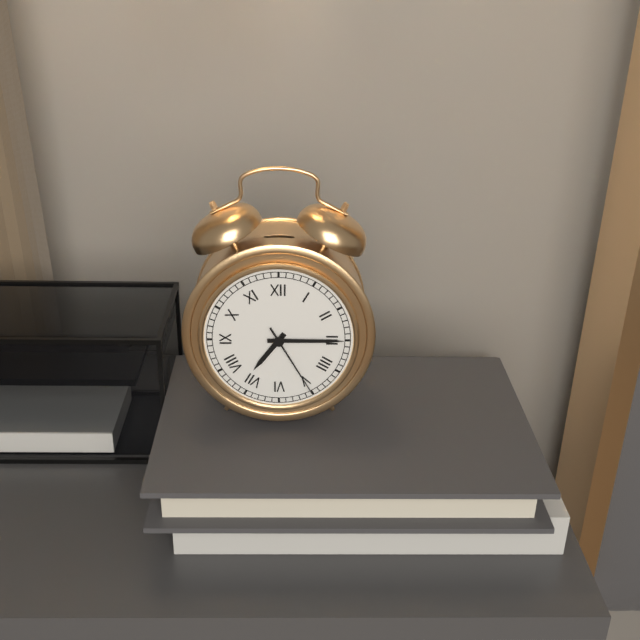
h=7 m=15 s=25
